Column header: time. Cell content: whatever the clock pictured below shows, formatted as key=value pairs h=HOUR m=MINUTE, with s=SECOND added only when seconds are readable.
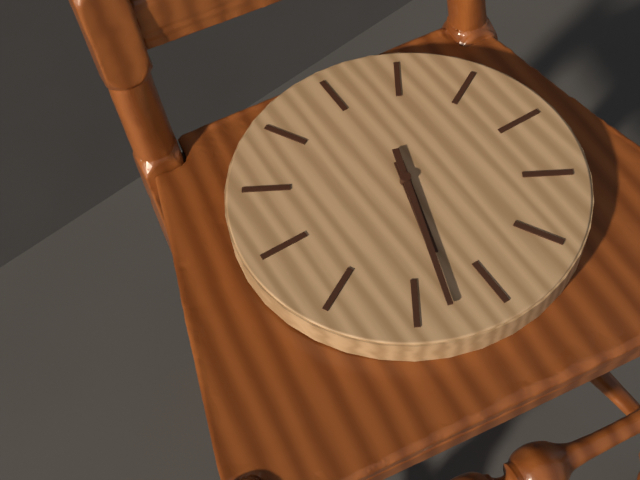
h=6 m=33
